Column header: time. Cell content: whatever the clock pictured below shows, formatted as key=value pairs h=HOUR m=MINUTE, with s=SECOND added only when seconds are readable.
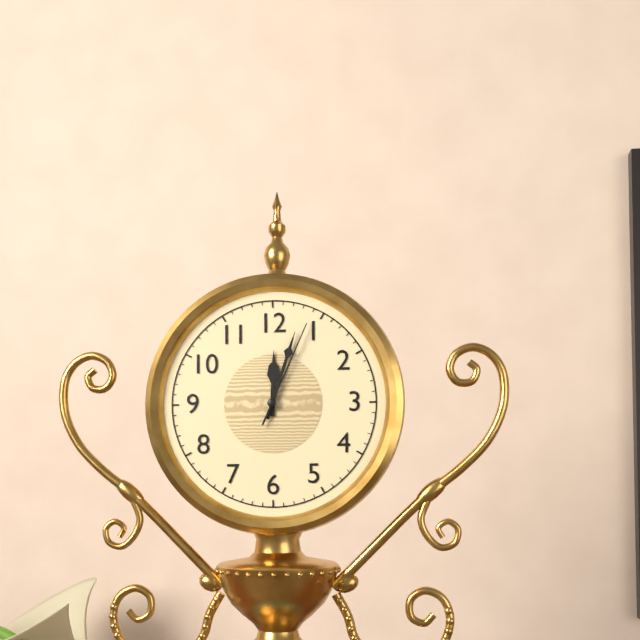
h=12 m=3 s=4
